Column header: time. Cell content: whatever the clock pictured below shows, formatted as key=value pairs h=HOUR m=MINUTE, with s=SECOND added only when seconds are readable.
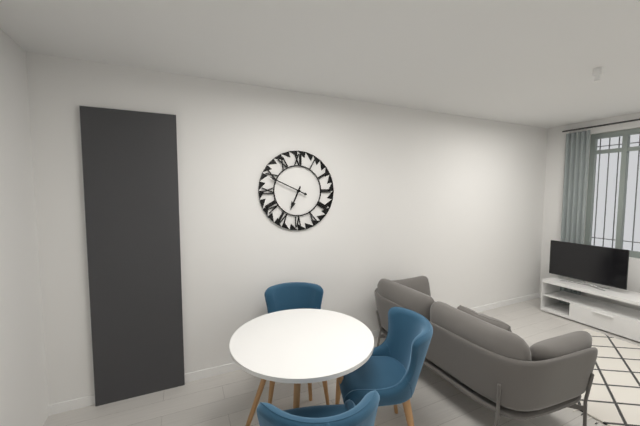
h=6 m=49
